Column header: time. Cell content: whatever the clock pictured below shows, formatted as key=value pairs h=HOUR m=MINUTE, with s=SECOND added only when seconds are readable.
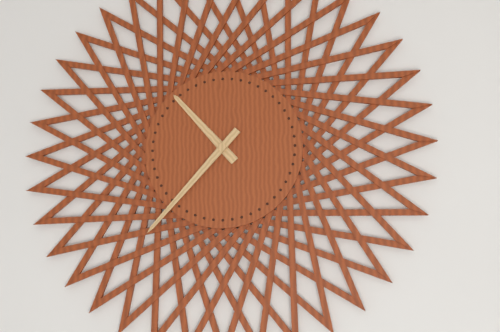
h=10 m=37
